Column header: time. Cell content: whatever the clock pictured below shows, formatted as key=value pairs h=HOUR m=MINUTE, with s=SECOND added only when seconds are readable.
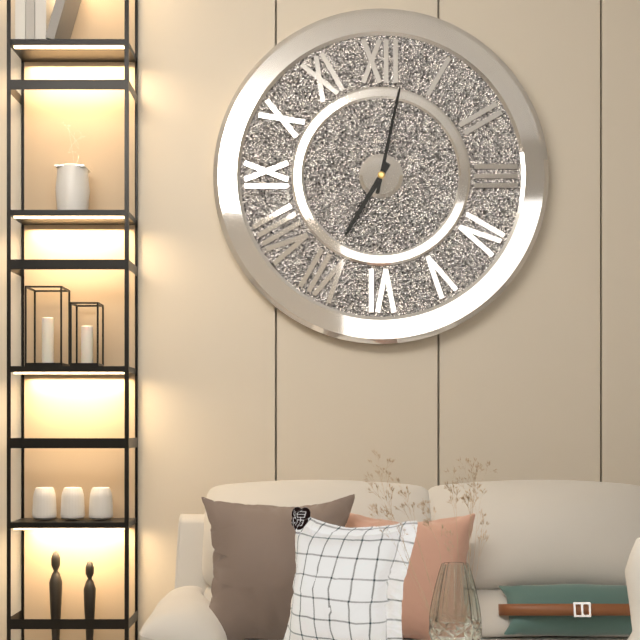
h=7 m=2
